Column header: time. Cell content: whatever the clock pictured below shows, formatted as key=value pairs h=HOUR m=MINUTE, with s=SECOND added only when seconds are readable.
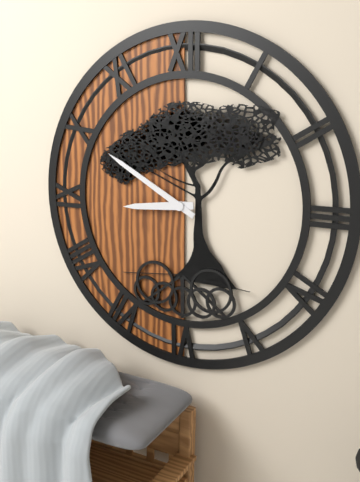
h=8 m=50
